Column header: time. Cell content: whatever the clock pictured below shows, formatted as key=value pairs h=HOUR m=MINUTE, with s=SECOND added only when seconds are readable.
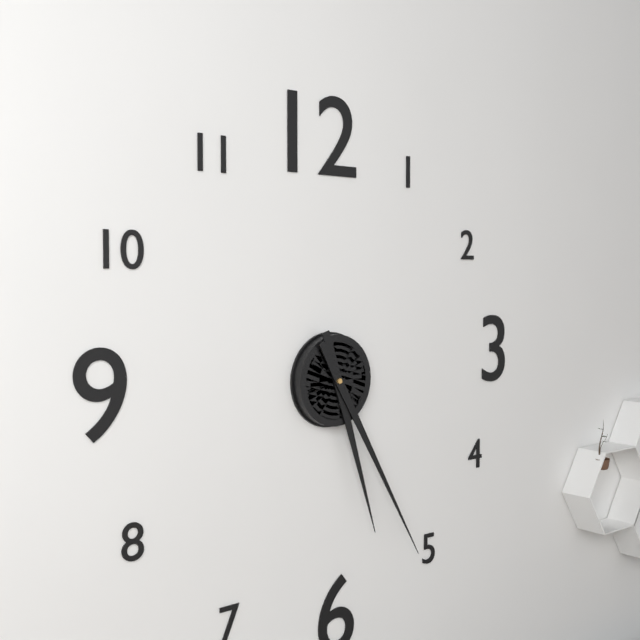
h=5 m=25
